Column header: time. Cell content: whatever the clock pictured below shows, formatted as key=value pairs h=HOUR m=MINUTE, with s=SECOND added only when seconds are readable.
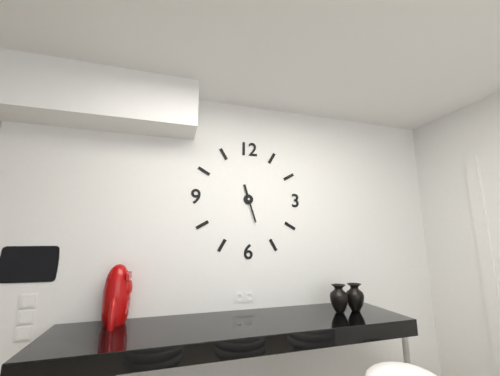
h=11 m=27
